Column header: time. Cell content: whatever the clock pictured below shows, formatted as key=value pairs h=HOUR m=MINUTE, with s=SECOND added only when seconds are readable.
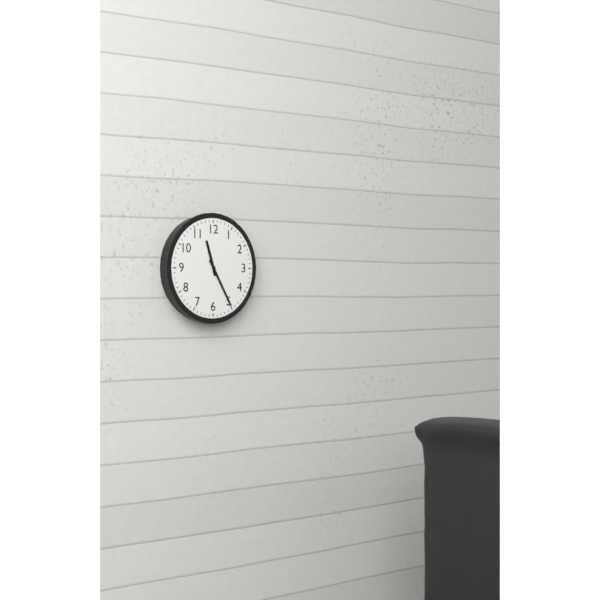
h=11 m=25
